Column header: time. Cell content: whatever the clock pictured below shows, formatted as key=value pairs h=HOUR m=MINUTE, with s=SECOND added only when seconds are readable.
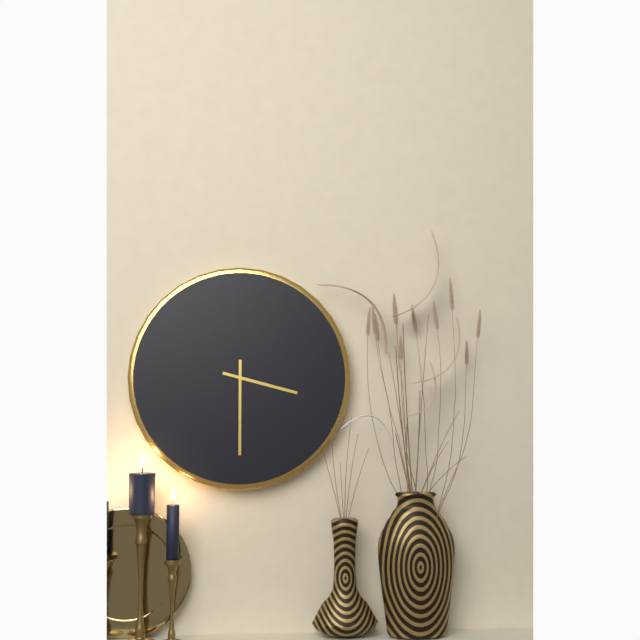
h=3 m=30
